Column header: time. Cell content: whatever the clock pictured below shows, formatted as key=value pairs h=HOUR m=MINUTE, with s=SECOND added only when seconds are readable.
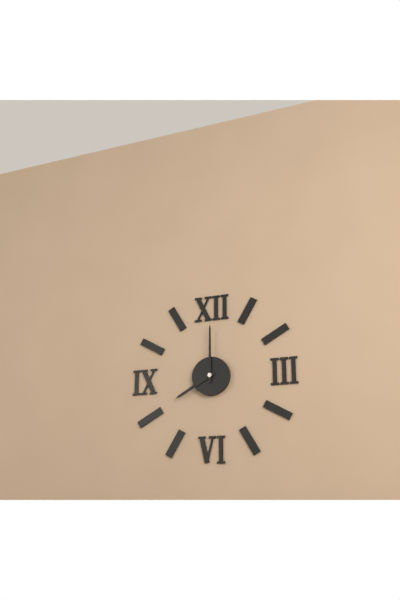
h=8 m=0
